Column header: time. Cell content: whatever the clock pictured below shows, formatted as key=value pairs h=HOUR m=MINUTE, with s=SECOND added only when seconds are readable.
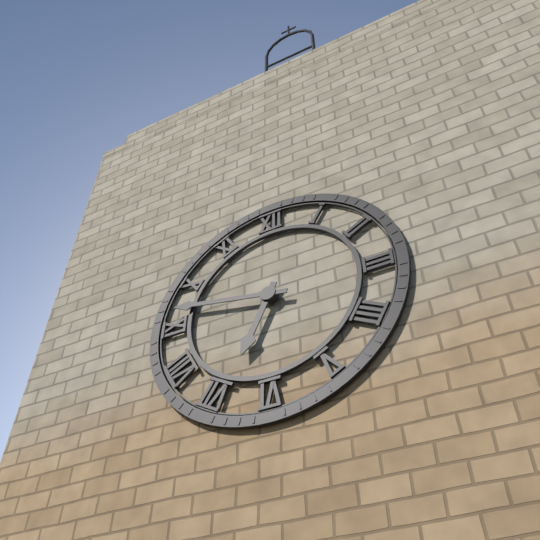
h=6 m=47
